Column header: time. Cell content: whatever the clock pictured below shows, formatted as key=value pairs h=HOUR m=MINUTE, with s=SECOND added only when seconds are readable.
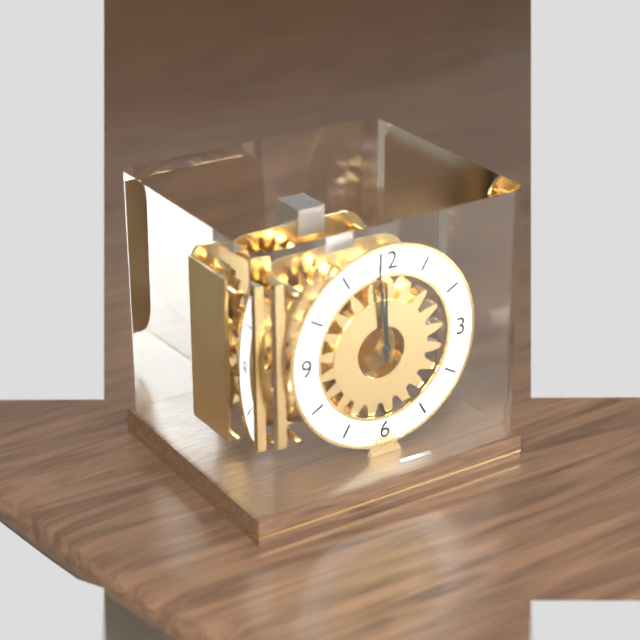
h=11 m=59
